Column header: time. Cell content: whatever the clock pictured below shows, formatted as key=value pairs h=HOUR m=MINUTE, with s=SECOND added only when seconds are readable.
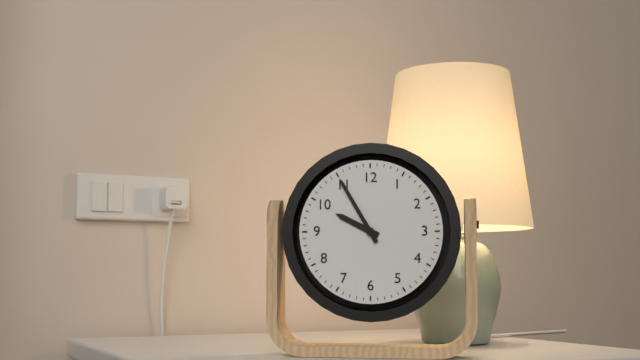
h=9 m=55
